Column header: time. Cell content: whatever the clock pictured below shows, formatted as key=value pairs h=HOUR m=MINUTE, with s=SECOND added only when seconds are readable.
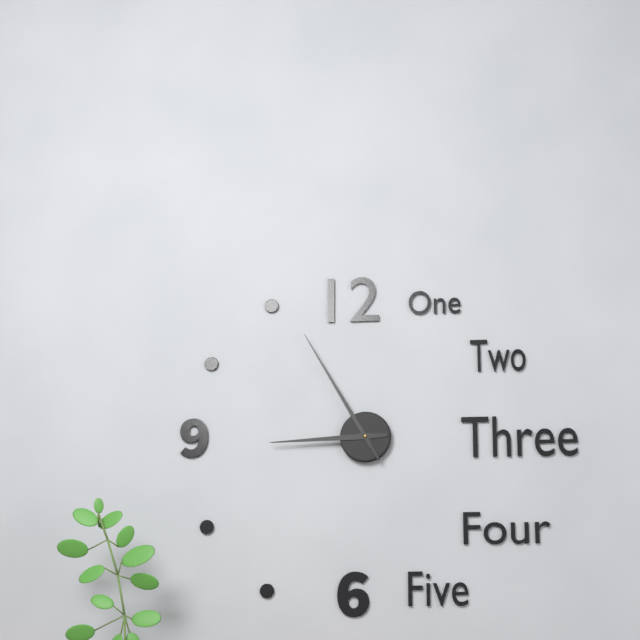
h=8 m=55
